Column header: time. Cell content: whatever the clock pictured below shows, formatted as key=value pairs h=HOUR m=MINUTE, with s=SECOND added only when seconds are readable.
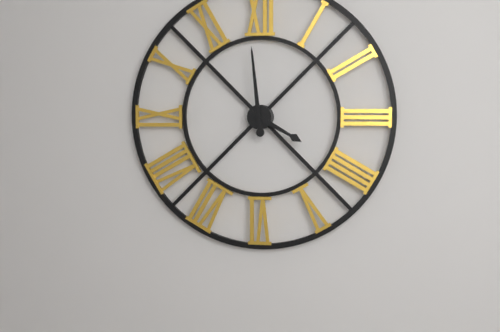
h=3 m=59
